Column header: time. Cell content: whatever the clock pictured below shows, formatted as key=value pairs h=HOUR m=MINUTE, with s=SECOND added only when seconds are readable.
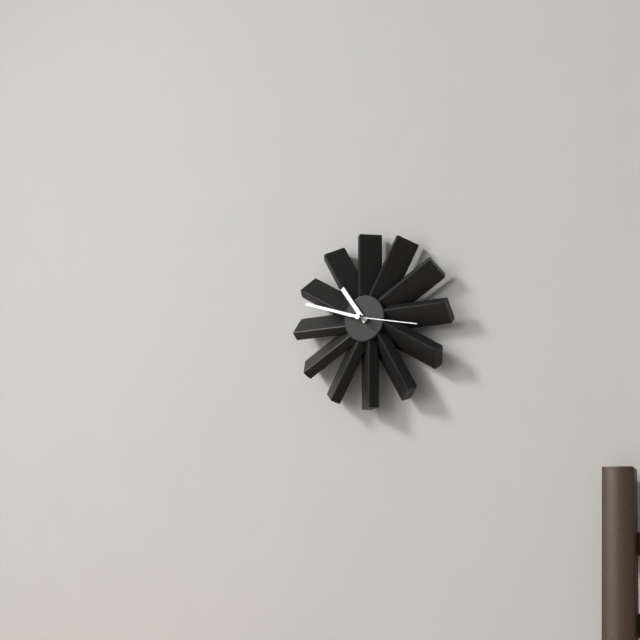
h=10 m=48 s=17
